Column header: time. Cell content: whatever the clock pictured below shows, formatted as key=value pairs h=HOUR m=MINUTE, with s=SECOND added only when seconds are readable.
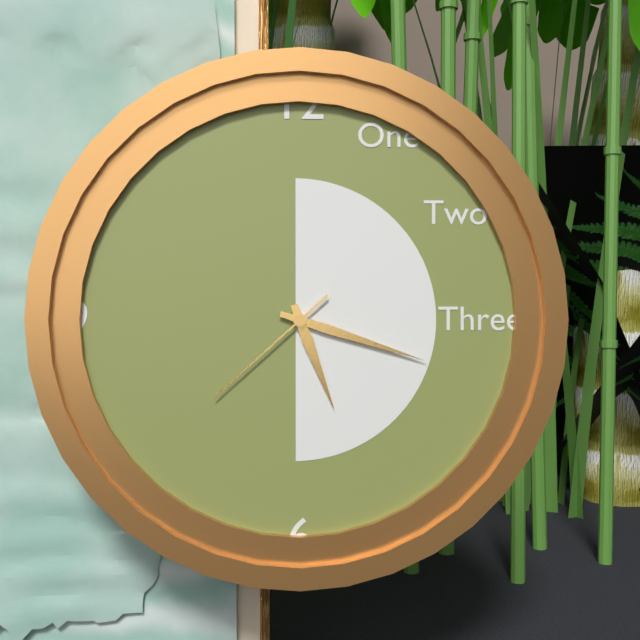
h=5 m=18 s=38
